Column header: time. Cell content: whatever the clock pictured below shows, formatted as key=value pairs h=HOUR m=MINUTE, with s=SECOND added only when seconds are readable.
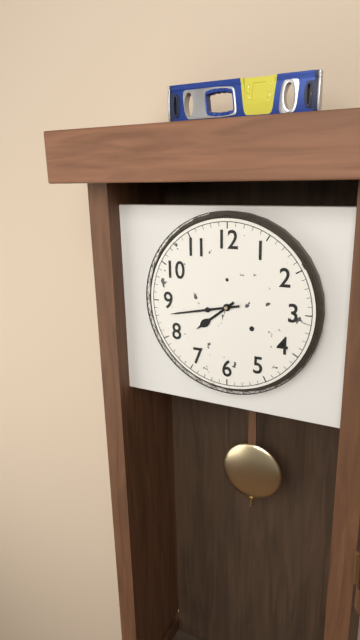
h=7 m=43
